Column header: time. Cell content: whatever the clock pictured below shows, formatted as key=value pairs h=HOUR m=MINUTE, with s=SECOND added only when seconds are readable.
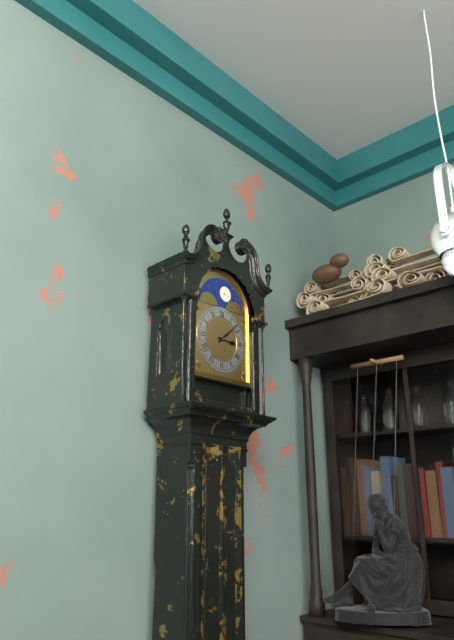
h=3 m=8
